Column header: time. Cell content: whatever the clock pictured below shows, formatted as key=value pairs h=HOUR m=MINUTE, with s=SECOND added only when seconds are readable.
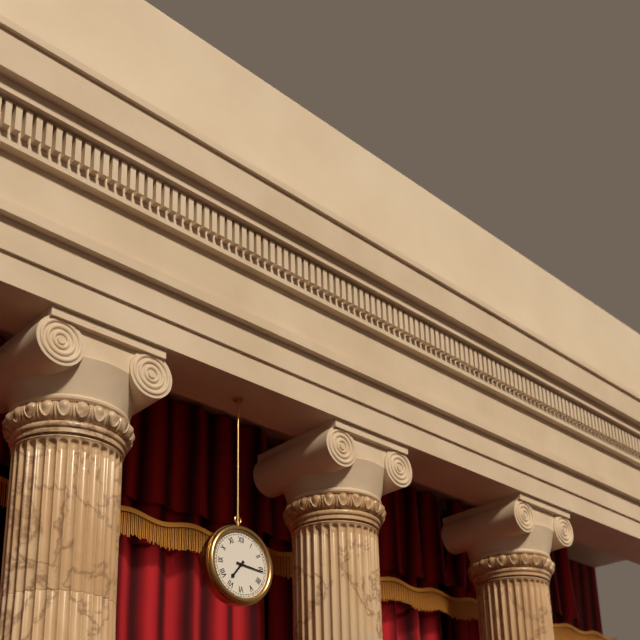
h=7 m=16
